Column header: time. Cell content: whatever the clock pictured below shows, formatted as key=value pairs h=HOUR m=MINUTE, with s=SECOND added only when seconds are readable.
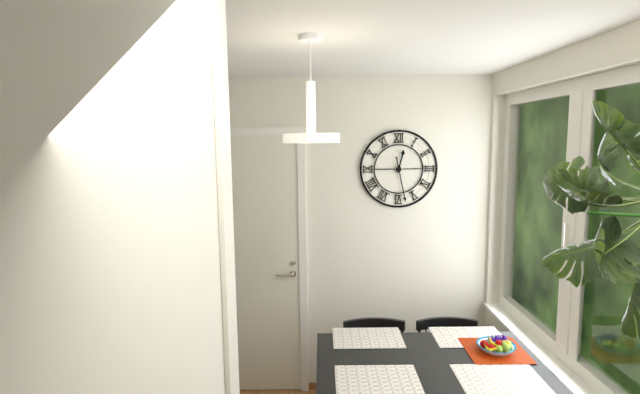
h=12 m=28
